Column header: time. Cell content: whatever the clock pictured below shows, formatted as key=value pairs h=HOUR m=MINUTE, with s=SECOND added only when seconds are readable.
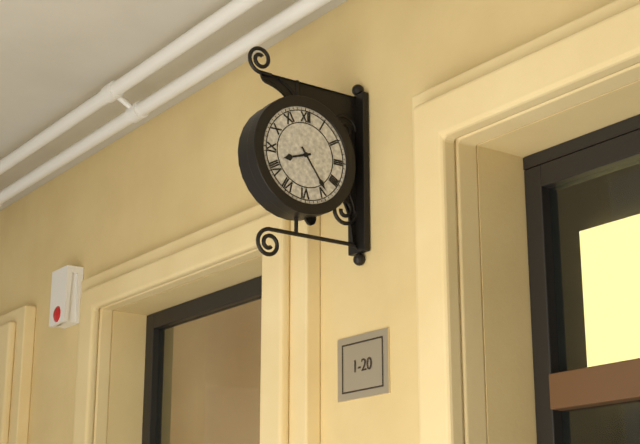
h=8 m=24
